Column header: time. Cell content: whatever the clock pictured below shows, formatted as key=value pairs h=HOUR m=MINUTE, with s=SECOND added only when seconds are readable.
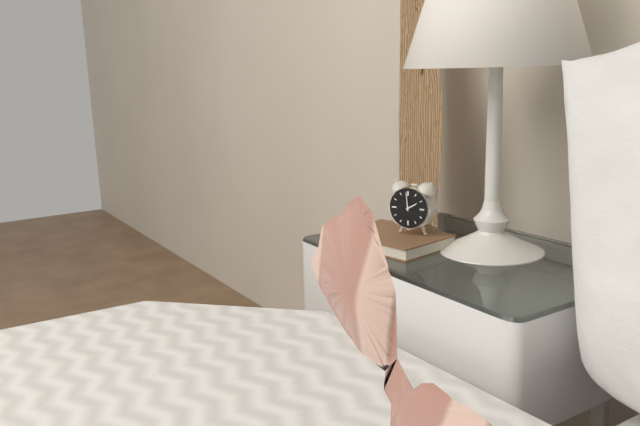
h=1 m=59
